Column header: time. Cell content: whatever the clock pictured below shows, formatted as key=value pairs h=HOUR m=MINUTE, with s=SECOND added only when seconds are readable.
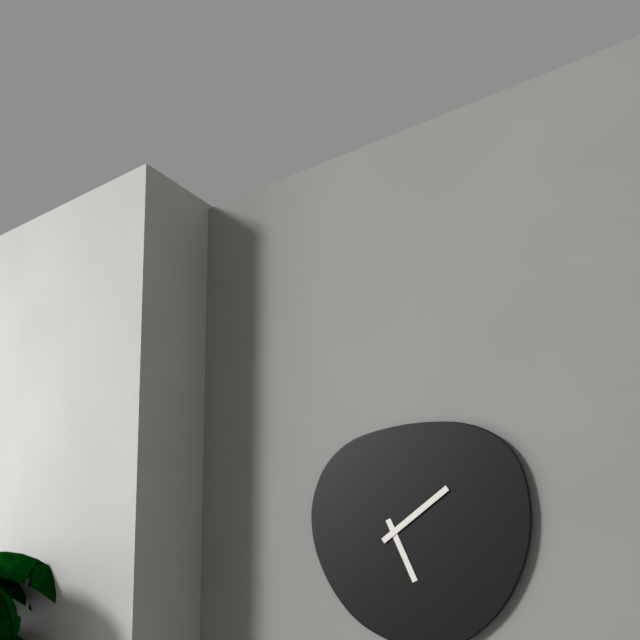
h=5 m=9
